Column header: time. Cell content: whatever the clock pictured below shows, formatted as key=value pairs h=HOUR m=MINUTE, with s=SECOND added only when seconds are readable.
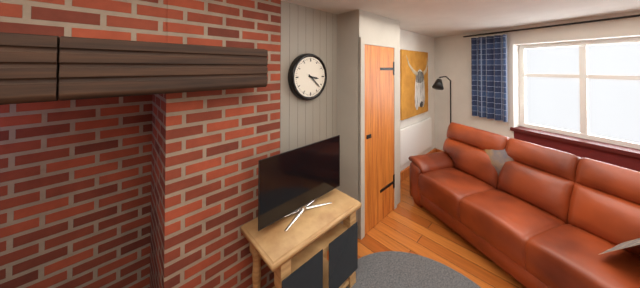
h=3 m=22
